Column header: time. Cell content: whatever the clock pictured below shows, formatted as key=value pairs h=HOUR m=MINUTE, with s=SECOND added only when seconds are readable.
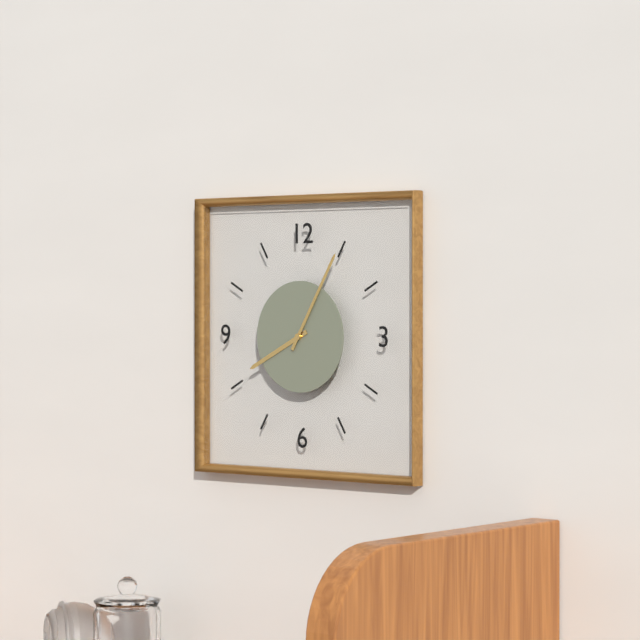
h=8 m=5
